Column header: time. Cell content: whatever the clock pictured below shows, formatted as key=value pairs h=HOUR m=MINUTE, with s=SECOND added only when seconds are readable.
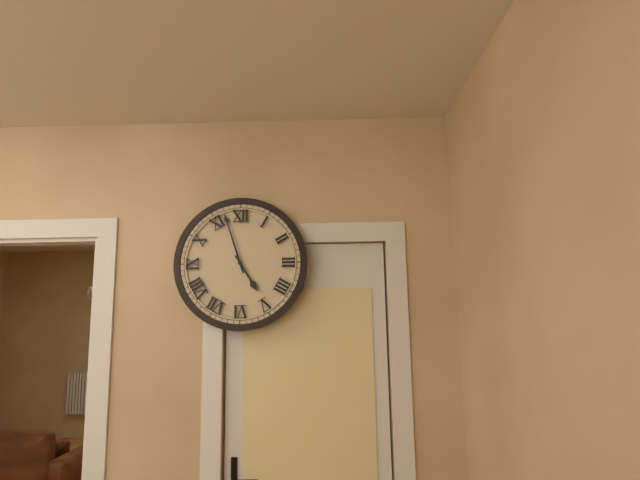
h=4 m=57
